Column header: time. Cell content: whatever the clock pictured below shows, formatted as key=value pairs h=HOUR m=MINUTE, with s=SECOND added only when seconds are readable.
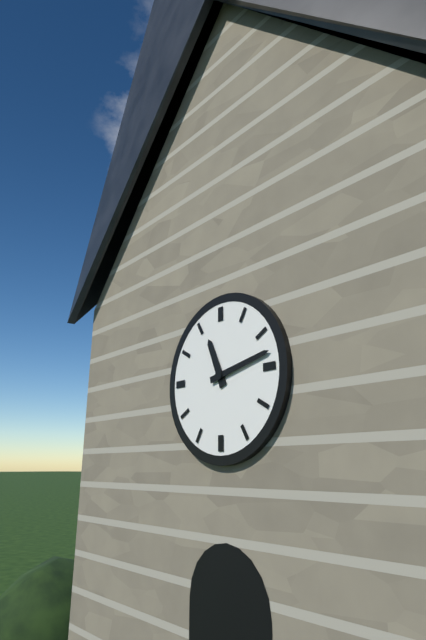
h=11 m=13
